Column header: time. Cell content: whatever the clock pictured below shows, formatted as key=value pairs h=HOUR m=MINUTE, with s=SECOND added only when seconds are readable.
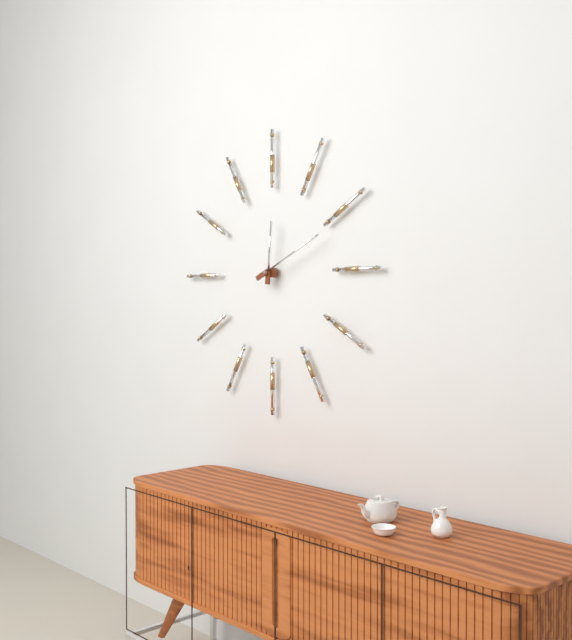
h=12 m=11
